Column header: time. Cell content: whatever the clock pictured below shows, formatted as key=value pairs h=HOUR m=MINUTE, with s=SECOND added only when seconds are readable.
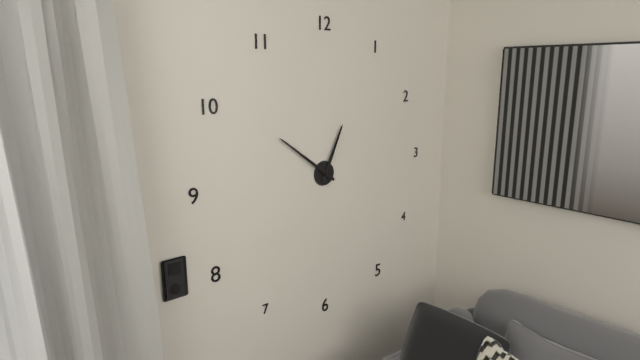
h=12 m=51
